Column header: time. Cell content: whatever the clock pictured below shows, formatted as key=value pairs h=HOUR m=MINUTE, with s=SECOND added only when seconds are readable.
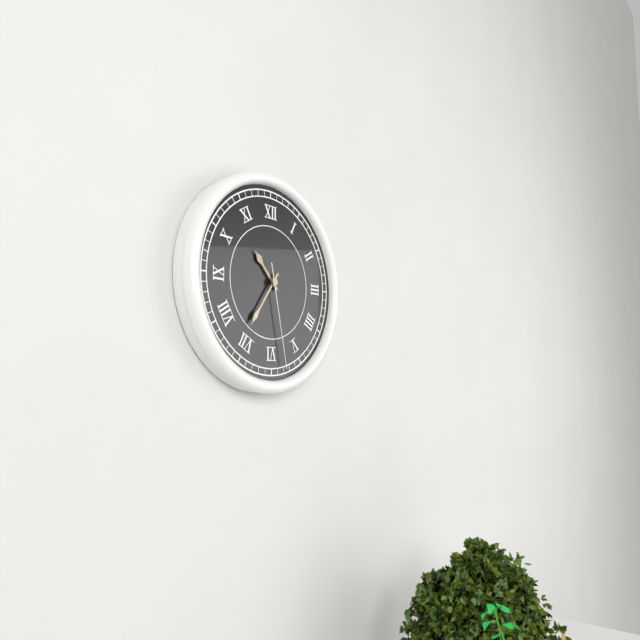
h=10 m=36 s=28
